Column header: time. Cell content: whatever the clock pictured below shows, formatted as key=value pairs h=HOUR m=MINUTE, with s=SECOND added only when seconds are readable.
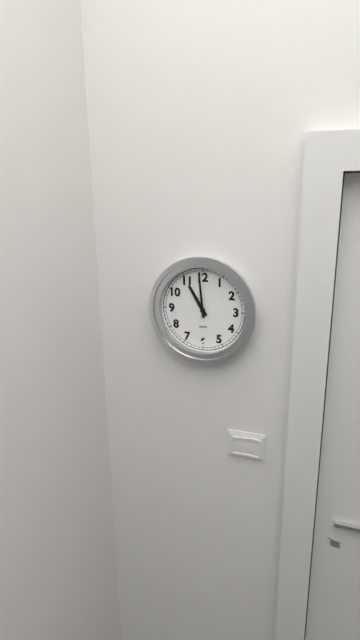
h=10 m=59
